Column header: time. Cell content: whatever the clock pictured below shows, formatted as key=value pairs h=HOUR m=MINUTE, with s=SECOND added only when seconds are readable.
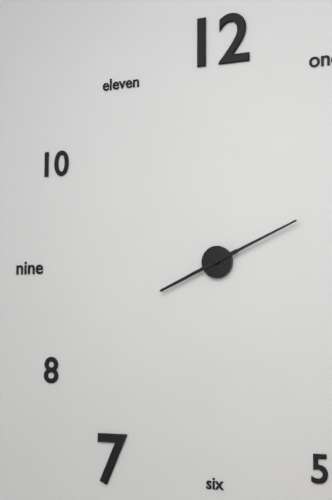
h=8 m=11
